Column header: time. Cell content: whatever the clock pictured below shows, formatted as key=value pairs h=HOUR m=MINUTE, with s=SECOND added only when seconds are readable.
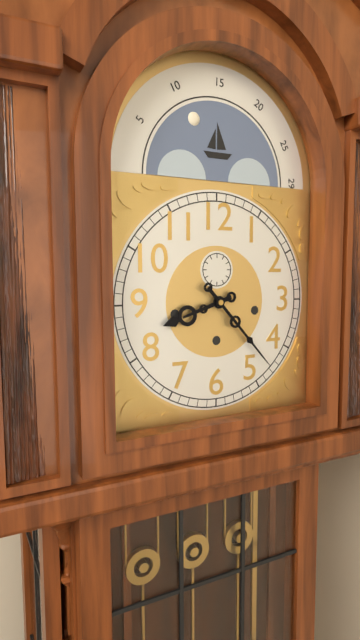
h=8 m=23
